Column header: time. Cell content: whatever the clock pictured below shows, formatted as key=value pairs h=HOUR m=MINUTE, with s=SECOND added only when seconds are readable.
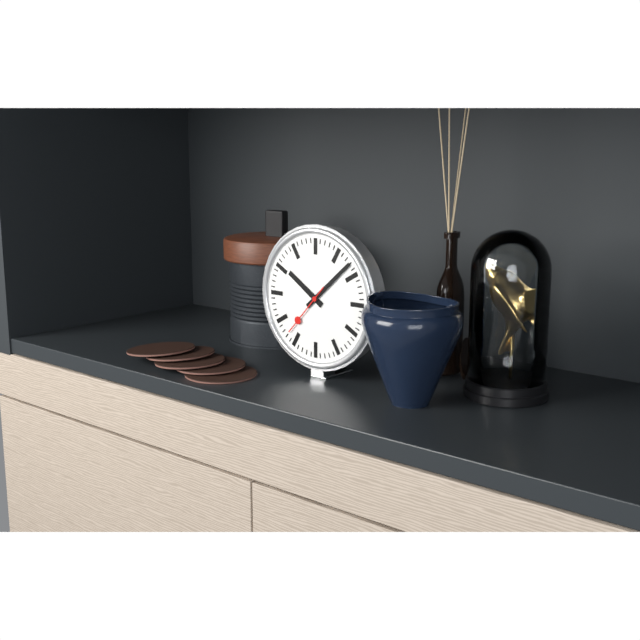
h=10 m=8 s=37
